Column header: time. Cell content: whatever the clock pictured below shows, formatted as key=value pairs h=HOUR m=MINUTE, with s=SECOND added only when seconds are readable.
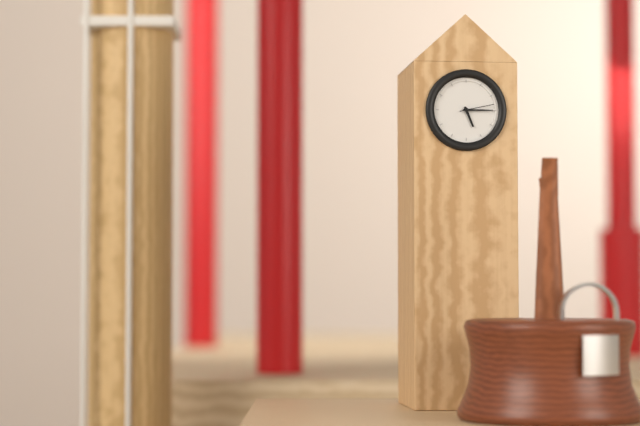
h=5 m=15
